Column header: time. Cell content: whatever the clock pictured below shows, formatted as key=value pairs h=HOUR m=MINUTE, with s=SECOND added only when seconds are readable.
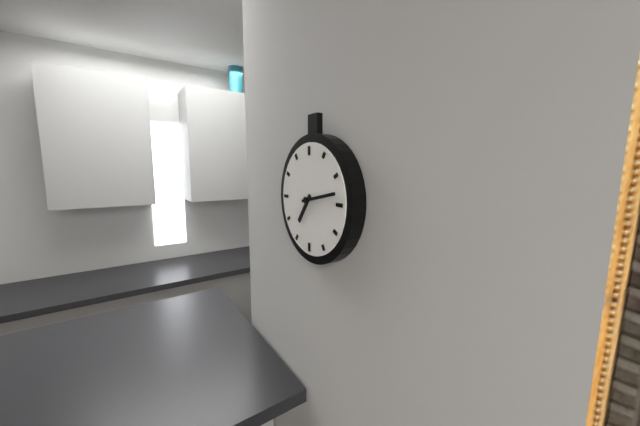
h=7 m=13
